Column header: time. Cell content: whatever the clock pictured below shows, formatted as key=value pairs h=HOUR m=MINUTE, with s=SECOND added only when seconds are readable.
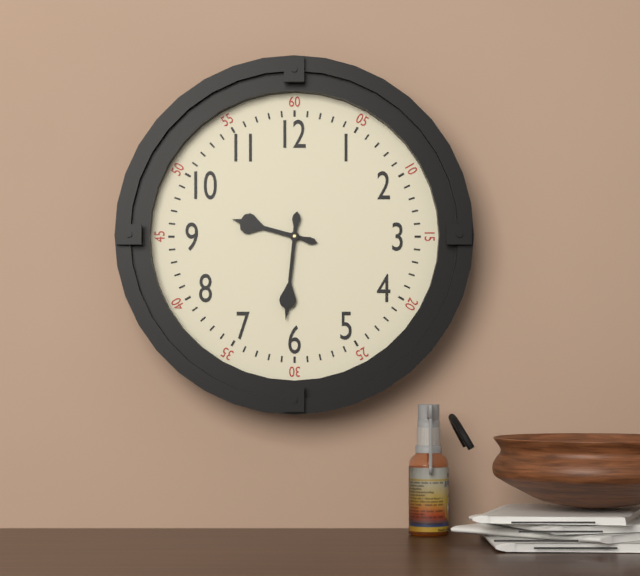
h=9 m=31
